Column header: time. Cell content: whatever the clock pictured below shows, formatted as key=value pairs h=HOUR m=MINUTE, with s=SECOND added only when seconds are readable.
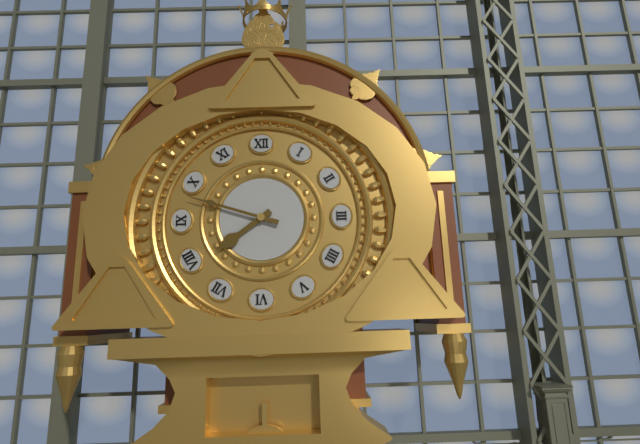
h=7 m=48
